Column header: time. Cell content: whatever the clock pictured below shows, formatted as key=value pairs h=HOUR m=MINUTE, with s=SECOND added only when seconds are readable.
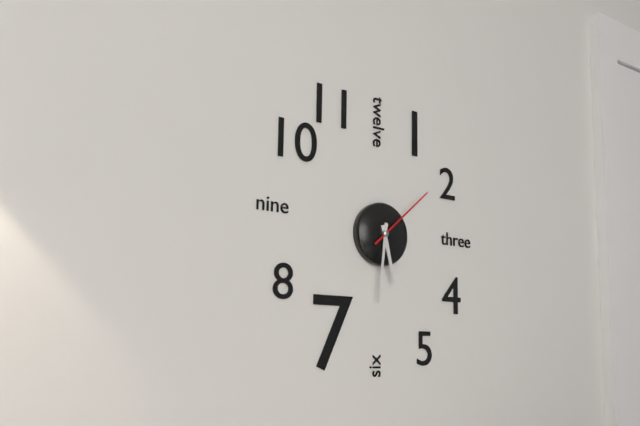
h=5 m=31 s=8
